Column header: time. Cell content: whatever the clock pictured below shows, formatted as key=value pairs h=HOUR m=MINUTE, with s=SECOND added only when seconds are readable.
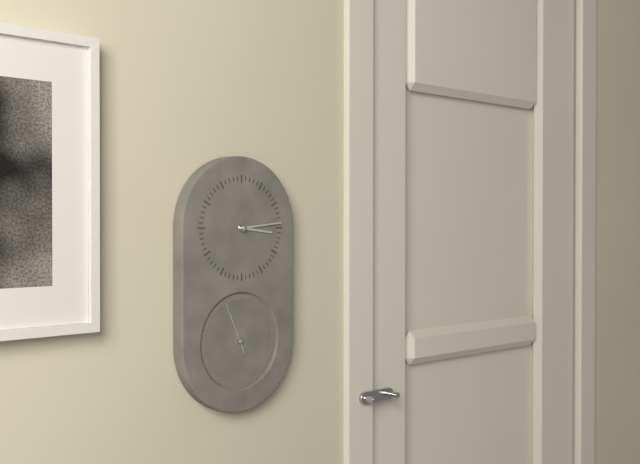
h=3 m=14 s=56
